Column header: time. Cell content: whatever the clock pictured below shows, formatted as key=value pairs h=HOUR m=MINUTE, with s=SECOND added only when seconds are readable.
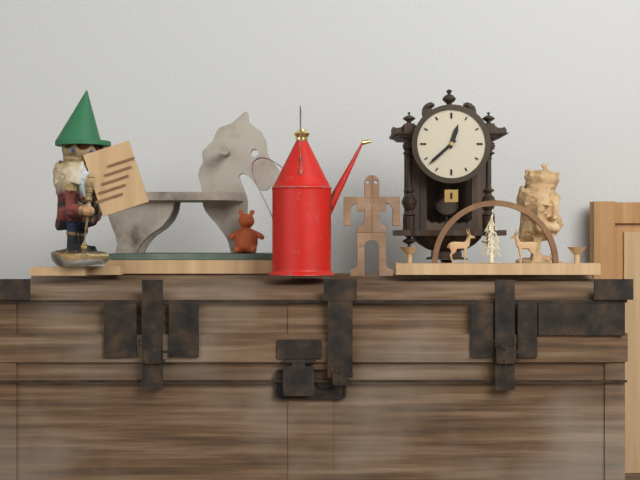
h=12 m=38
